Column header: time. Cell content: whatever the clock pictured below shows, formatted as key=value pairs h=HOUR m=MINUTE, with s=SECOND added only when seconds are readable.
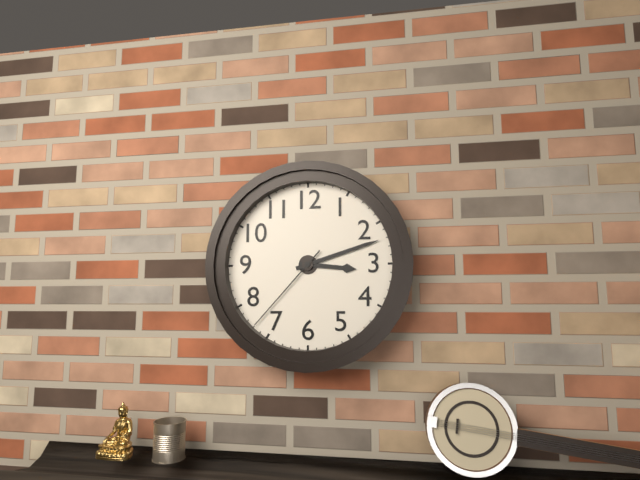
h=3 m=12 s=37
